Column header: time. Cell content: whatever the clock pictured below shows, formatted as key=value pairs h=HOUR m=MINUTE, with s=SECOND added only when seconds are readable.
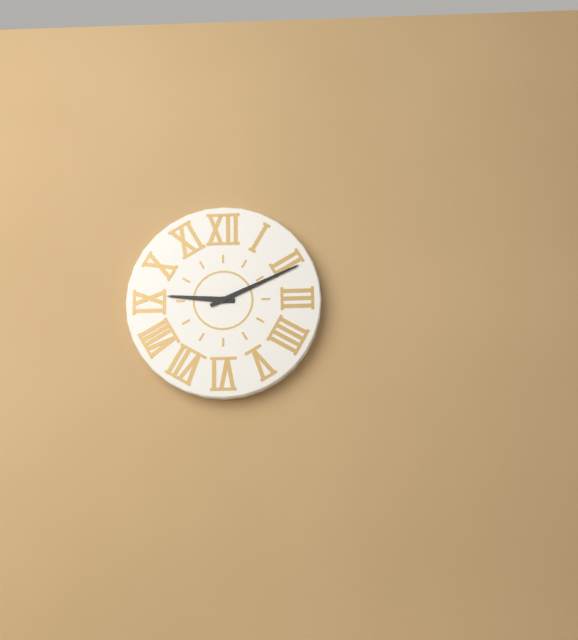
h=9 m=11
